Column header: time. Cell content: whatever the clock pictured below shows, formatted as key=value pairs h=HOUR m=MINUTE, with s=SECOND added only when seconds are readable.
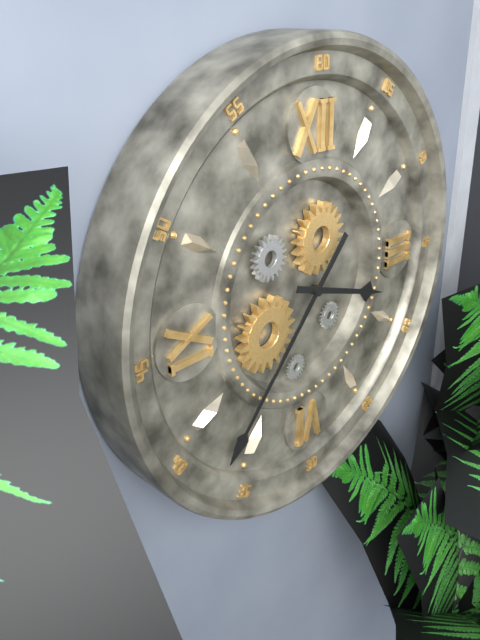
h=3 m=37
